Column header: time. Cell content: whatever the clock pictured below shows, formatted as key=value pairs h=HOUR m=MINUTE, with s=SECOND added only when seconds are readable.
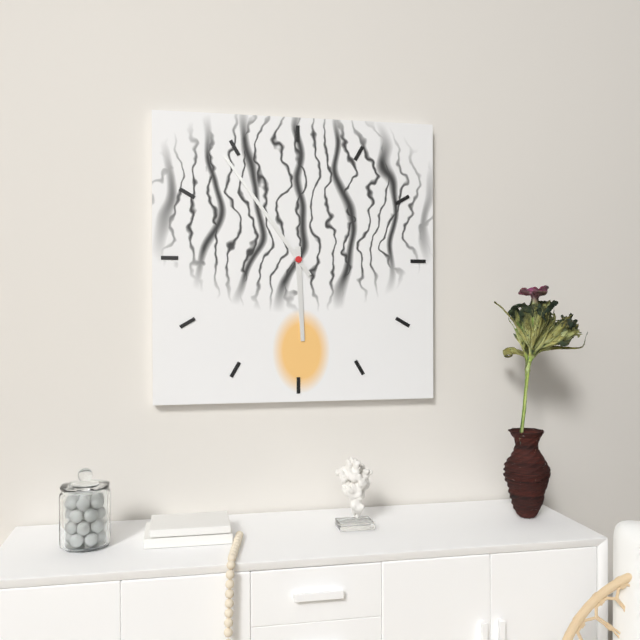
h=5 m=54
